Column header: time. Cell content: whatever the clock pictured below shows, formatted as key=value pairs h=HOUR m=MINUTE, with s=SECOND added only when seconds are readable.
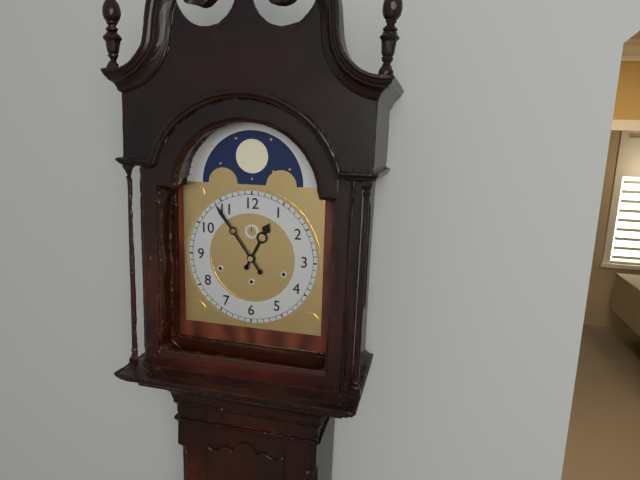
h=12 m=54
